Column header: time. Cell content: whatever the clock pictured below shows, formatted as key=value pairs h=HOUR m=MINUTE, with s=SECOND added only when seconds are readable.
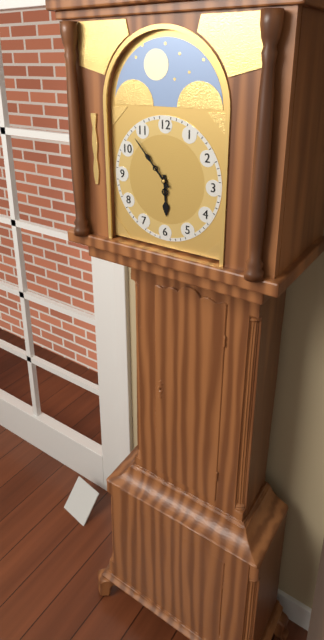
h=5 m=53
